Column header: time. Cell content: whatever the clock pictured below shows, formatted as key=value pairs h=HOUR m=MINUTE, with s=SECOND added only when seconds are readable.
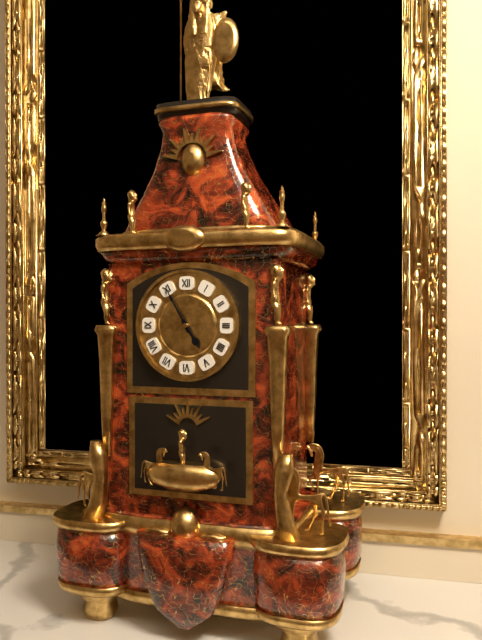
h=4 m=55
